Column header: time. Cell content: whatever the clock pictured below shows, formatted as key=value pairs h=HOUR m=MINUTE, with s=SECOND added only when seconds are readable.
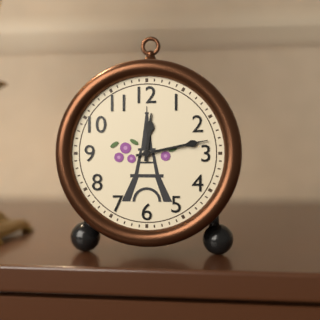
h=12 m=13
